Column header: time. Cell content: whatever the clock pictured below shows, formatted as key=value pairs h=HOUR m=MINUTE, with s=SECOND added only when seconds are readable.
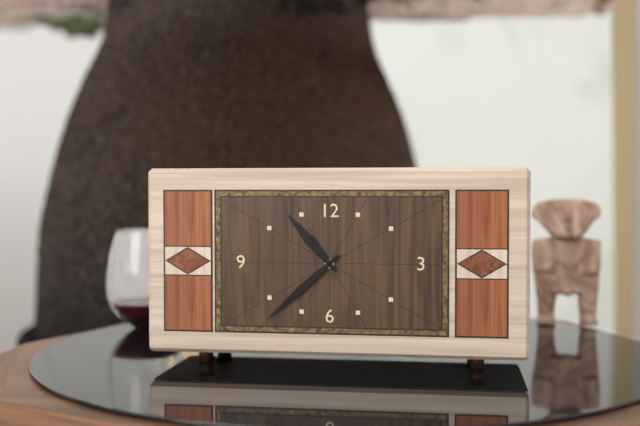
h=10 m=38
